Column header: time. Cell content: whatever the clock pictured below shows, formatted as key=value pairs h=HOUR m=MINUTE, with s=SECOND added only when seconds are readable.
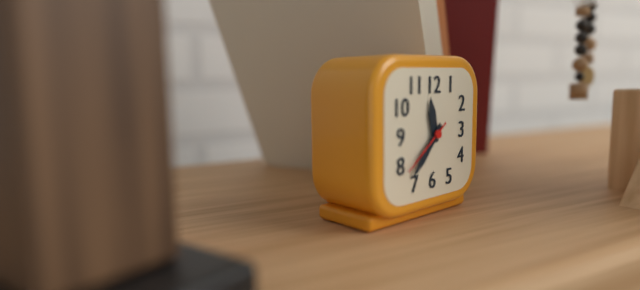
h=11 m=37 s=39
